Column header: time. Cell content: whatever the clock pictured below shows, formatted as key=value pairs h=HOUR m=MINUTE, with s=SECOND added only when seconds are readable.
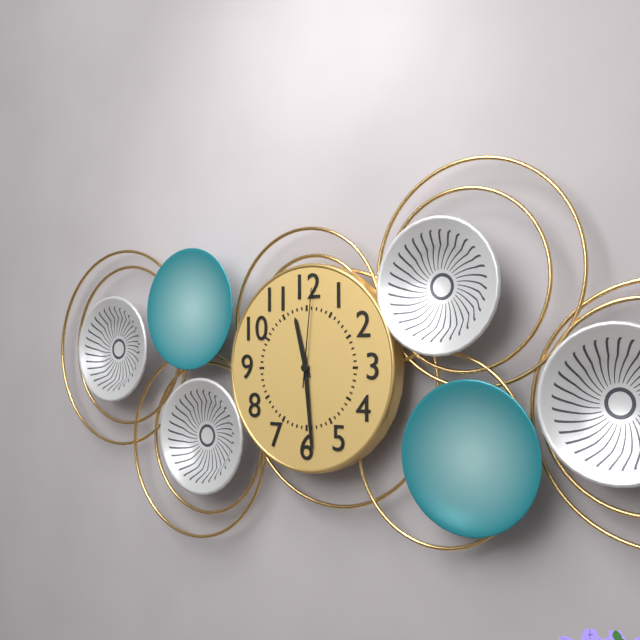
h=11 m=29 s=1
